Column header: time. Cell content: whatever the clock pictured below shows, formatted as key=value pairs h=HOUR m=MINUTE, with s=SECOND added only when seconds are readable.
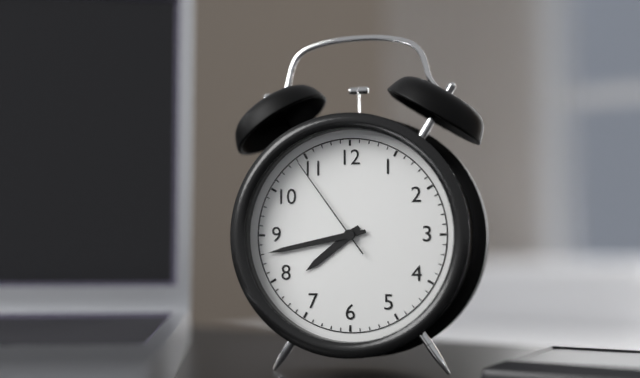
h=7 m=43 s=54
